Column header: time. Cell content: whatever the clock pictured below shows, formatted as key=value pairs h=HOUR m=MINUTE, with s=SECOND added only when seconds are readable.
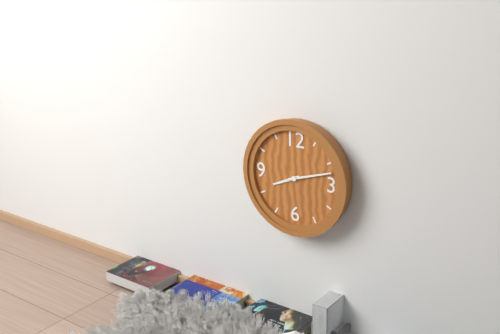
h=8 m=12
